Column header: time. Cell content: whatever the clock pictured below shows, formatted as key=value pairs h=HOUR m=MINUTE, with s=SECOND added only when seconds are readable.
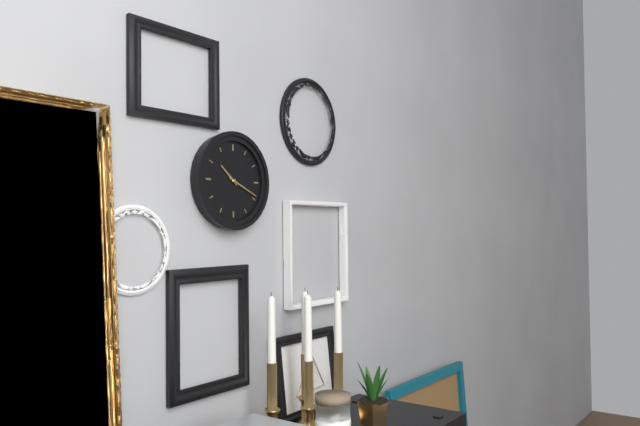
h=10 m=19
